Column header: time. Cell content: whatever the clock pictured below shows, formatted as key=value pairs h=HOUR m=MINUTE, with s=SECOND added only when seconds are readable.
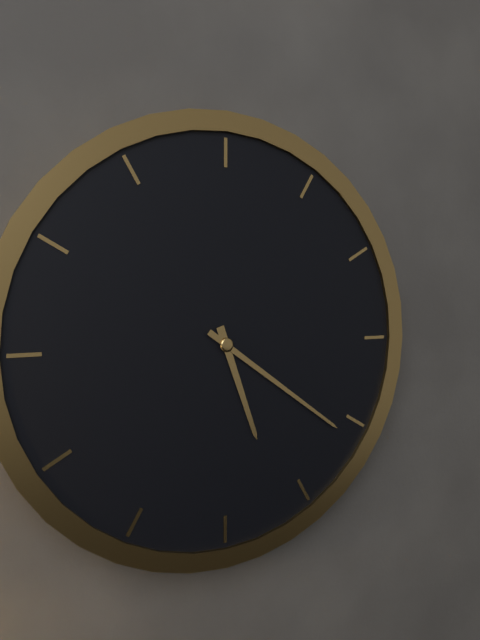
h=5 m=21
